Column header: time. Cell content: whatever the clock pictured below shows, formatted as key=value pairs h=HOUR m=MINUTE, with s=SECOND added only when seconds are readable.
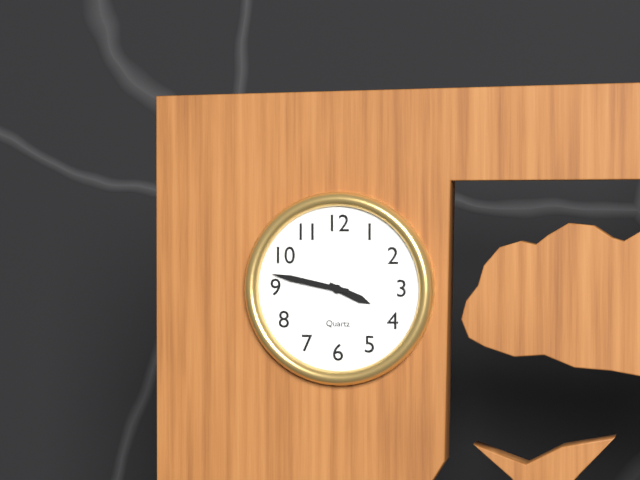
h=3 m=47
